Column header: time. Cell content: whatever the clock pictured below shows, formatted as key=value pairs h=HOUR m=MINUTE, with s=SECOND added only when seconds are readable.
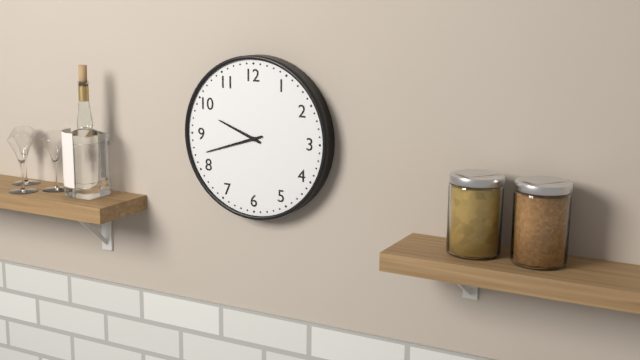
h=9 m=42
